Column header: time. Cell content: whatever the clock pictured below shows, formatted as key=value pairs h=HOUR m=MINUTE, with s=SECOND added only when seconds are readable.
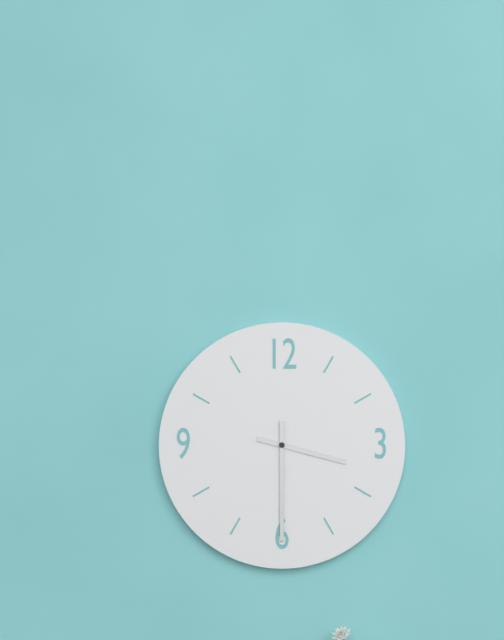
h=3 m=30
